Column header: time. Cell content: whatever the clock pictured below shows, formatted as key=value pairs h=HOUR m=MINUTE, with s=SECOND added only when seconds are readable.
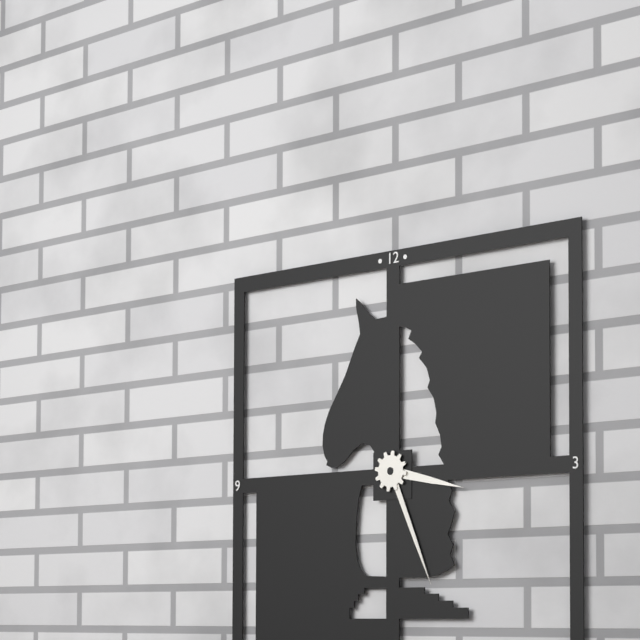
h=3 m=26
